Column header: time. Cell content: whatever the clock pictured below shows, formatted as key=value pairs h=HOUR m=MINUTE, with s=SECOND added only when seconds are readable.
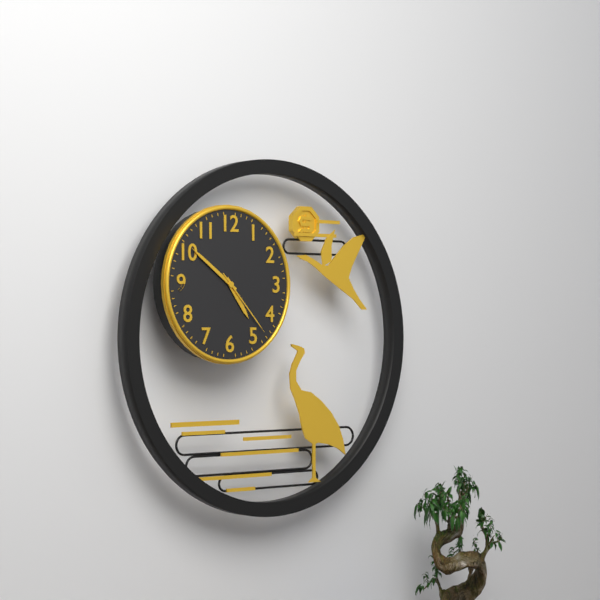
h=4 m=51 s=23
